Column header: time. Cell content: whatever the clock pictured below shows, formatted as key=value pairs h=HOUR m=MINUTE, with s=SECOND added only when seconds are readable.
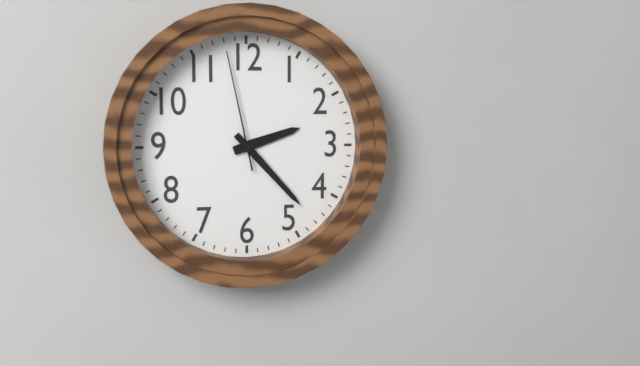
h=2 m=23 s=58
